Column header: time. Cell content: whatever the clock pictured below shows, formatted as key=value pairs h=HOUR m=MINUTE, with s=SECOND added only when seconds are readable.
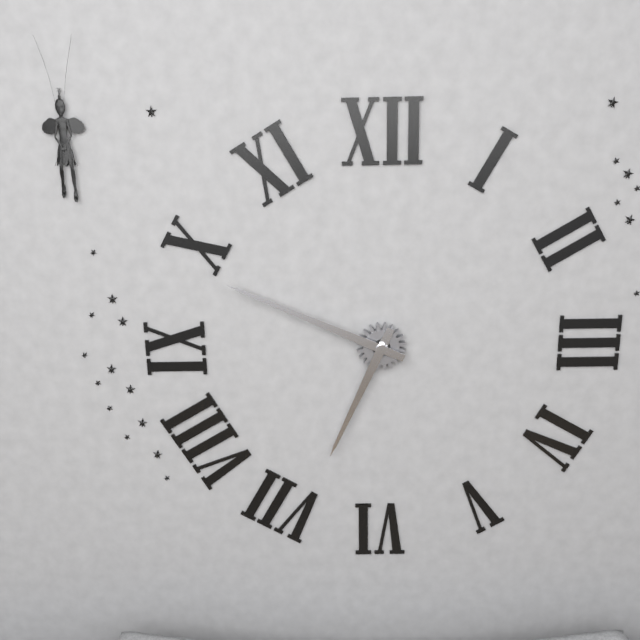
h=6 m=49
